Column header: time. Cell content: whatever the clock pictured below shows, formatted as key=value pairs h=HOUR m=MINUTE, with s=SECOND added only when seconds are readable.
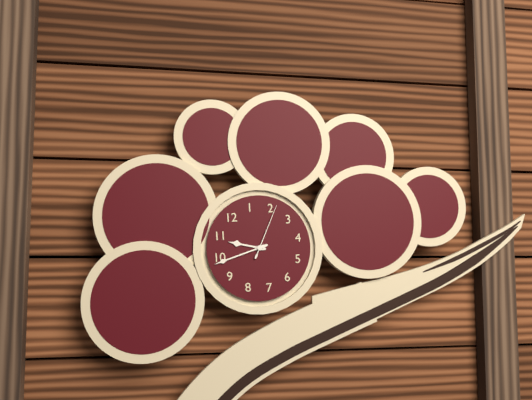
h=10 m=49 s=11
